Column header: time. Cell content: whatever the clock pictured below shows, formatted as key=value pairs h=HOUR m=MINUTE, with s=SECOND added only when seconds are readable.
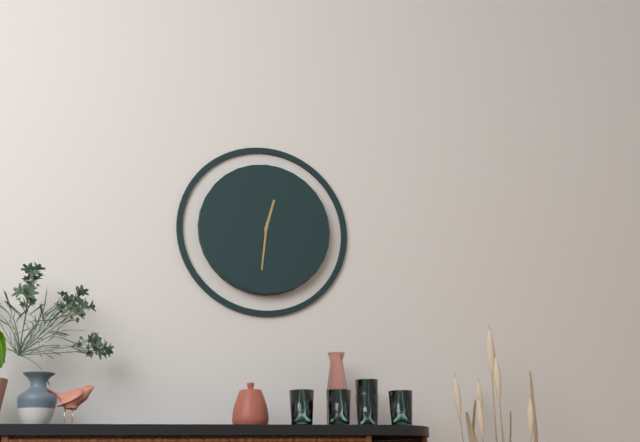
h=12 m=31
